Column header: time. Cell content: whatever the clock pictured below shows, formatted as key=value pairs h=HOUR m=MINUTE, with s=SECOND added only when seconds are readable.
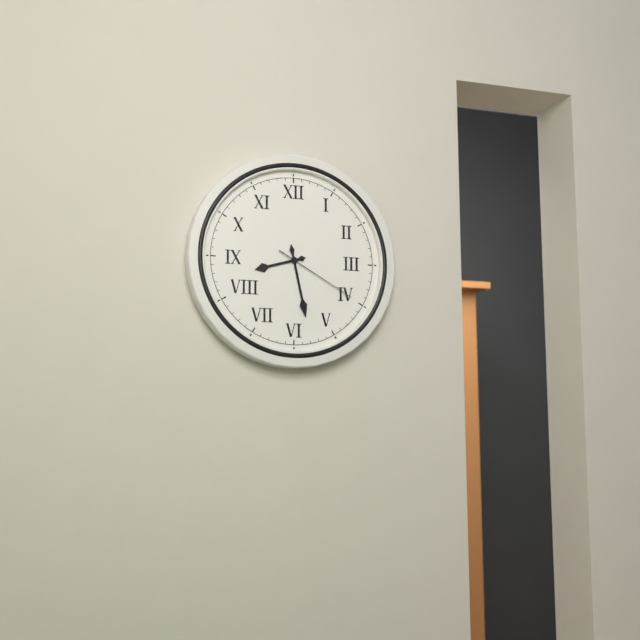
h=8 m=28 s=20
